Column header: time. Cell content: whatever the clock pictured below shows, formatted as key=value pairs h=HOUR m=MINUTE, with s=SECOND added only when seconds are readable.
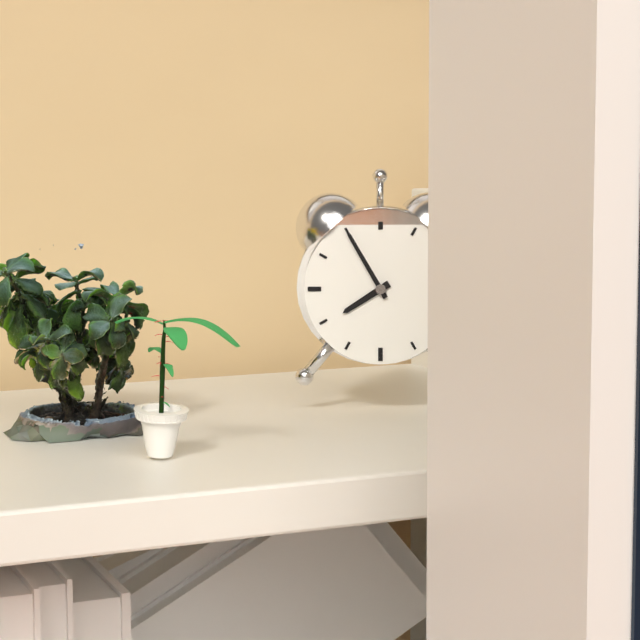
h=7 m=55
